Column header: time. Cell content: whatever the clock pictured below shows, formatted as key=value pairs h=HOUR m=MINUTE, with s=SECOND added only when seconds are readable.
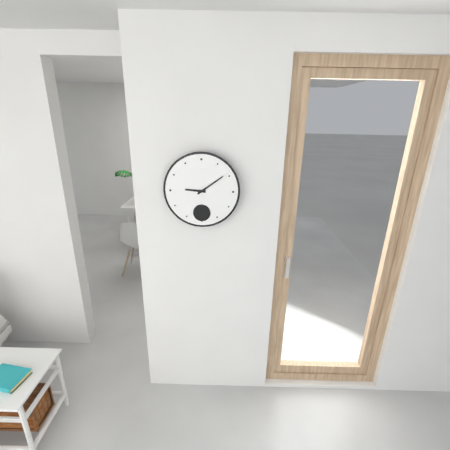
h=9 m=9
